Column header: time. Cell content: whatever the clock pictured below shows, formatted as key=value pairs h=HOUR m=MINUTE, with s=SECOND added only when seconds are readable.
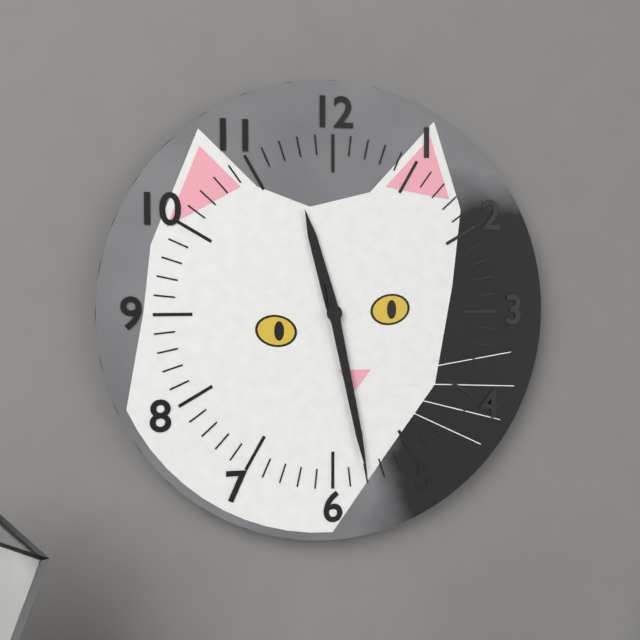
h=11 m=28
